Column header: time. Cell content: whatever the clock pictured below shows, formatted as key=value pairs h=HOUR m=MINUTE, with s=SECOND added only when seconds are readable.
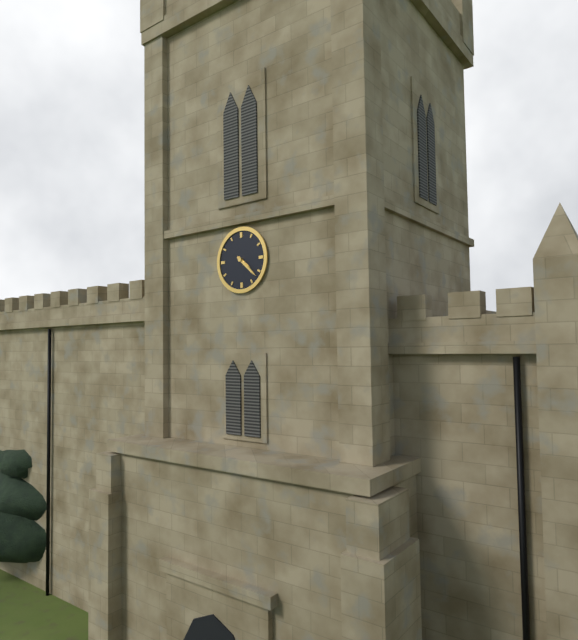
h=4 m=22
